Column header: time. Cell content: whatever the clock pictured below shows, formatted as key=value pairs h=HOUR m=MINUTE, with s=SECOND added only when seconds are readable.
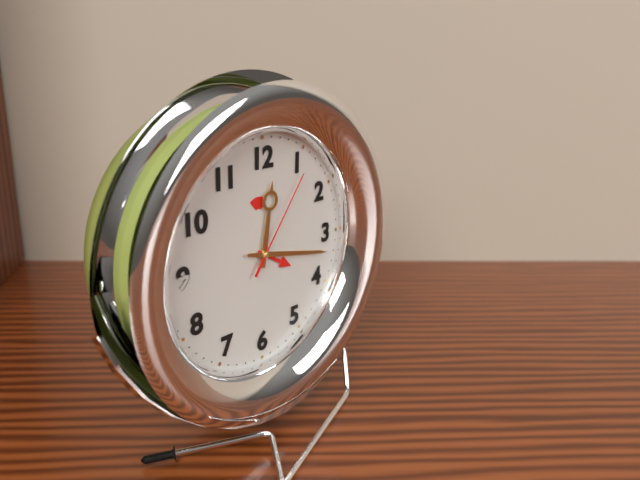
h=12 m=17 s=6
